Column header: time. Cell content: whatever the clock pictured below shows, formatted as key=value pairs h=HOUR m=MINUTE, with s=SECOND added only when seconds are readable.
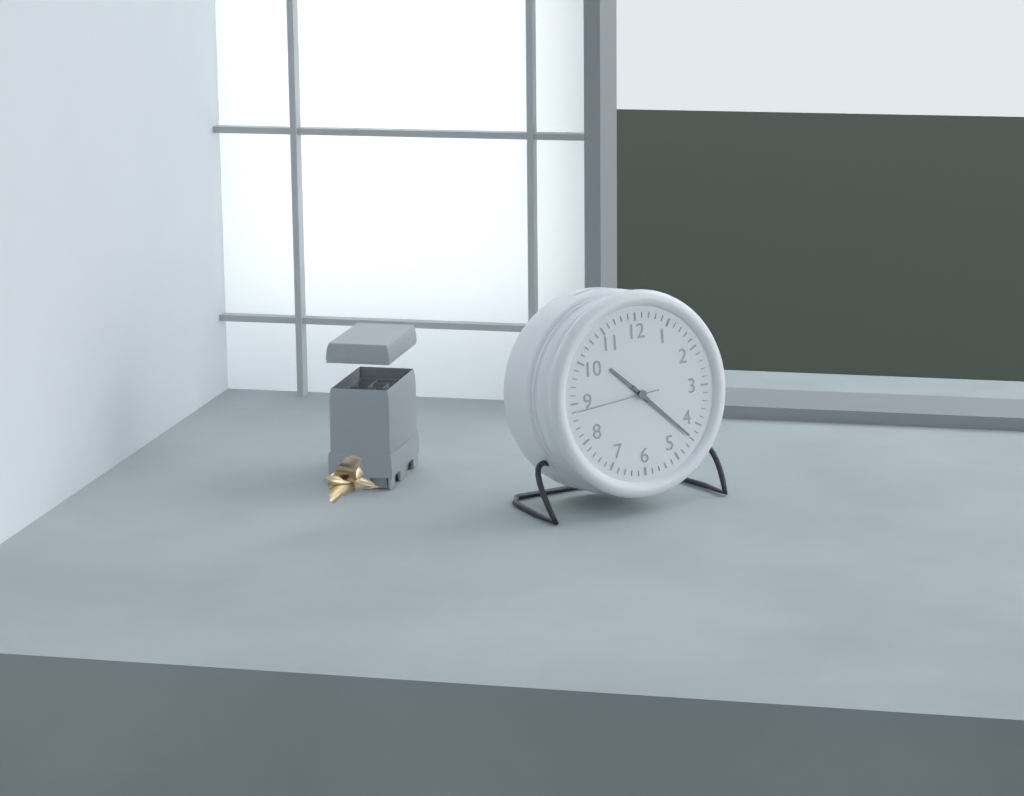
h=10 m=22 s=44
